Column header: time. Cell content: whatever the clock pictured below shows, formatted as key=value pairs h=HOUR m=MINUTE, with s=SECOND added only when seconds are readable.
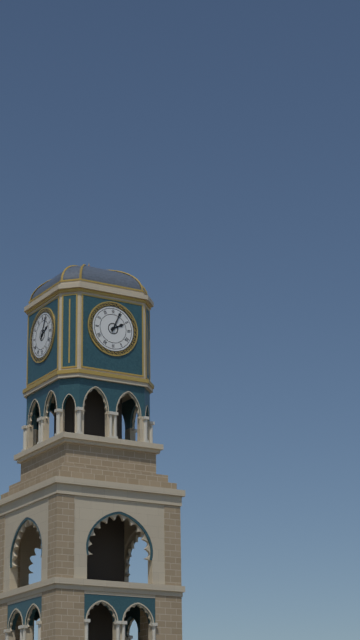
h=2 m=4
